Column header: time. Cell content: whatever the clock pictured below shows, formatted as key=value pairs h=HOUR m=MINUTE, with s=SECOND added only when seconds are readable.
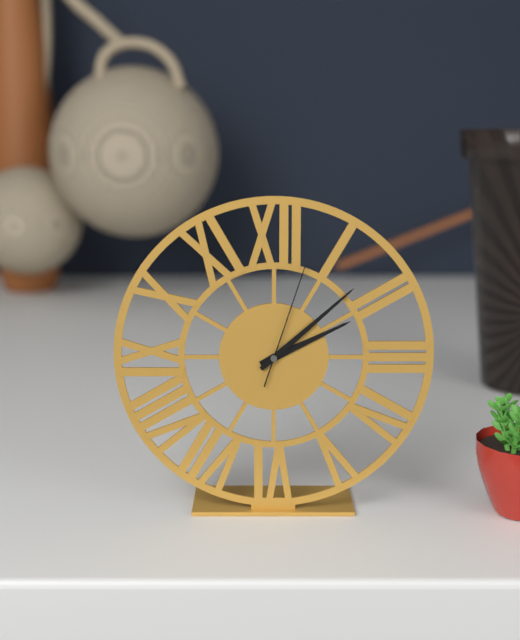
h=2 m=8 s=3
